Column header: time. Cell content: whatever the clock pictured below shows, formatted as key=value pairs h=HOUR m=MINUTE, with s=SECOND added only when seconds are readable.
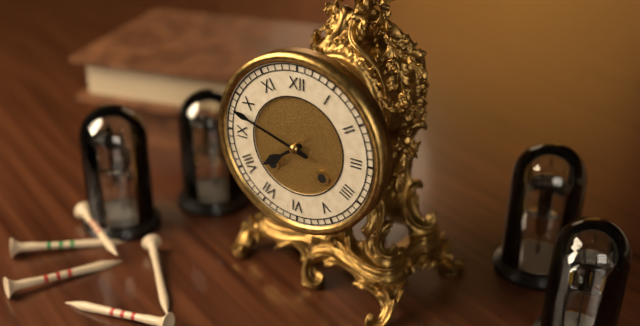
h=7 m=48
